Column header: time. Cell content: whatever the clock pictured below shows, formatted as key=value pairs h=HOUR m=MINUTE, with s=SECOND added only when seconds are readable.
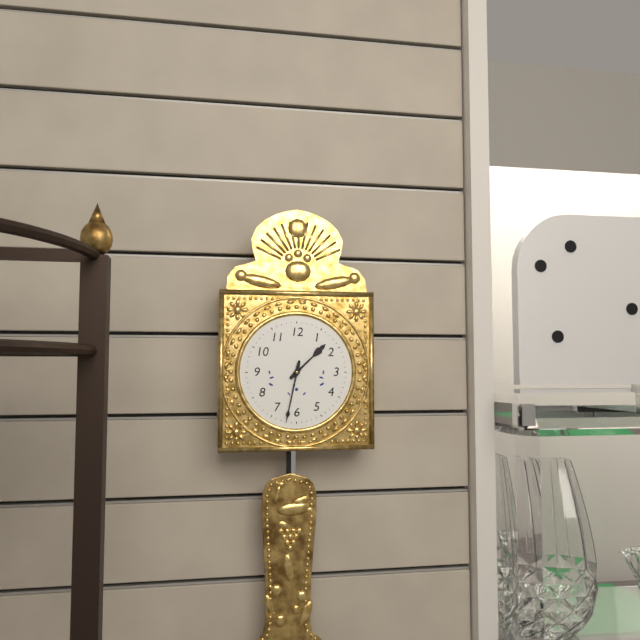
h=1 m=32
